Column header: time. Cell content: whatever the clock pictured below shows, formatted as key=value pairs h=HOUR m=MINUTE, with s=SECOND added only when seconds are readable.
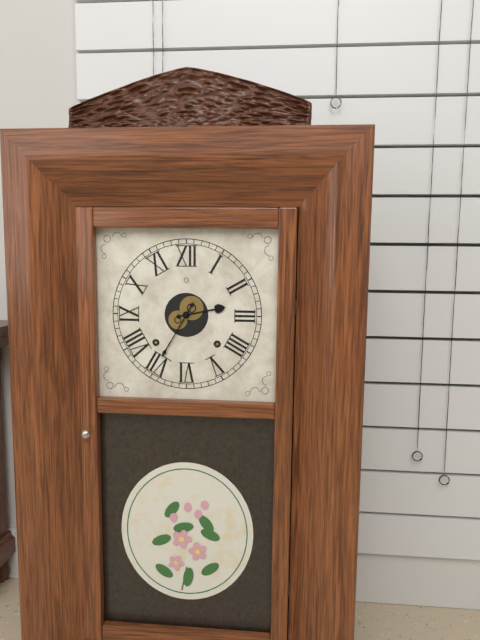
h=2 m=35
